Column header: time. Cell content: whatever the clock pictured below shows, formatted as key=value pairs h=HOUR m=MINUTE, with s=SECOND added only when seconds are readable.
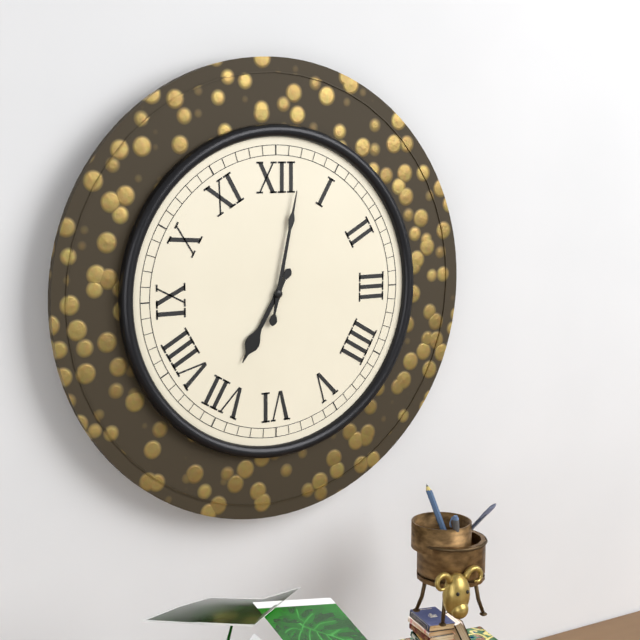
h=7 m=2
